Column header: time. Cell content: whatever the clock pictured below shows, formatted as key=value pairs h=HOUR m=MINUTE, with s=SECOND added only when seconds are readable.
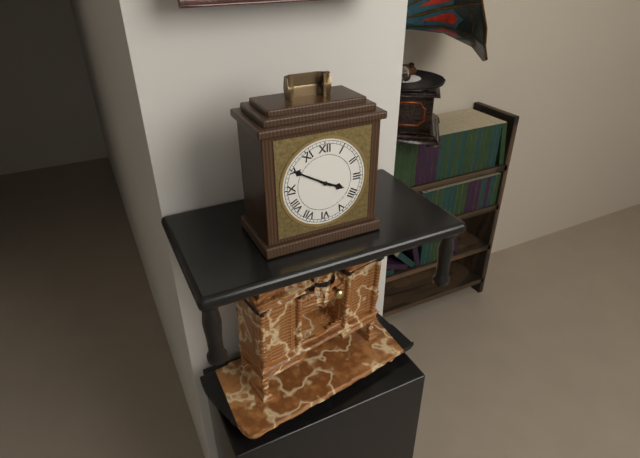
h=3 m=50
